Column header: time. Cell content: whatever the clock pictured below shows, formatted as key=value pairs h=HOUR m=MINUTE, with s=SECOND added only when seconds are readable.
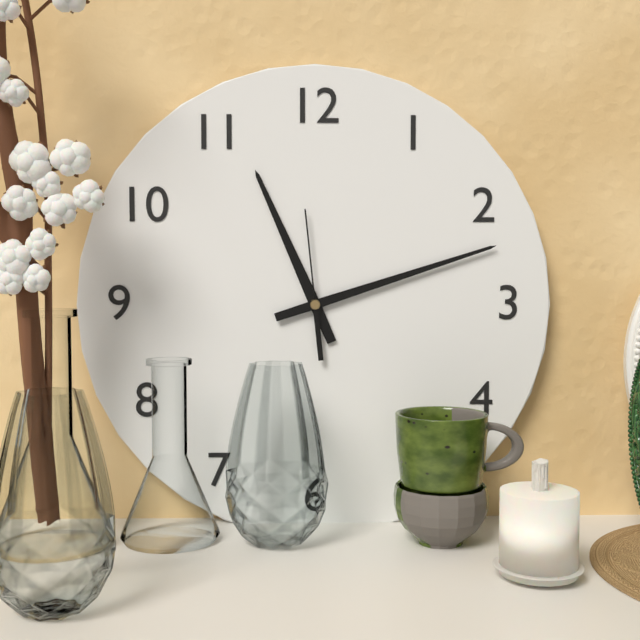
h=11 m=12 s=59
